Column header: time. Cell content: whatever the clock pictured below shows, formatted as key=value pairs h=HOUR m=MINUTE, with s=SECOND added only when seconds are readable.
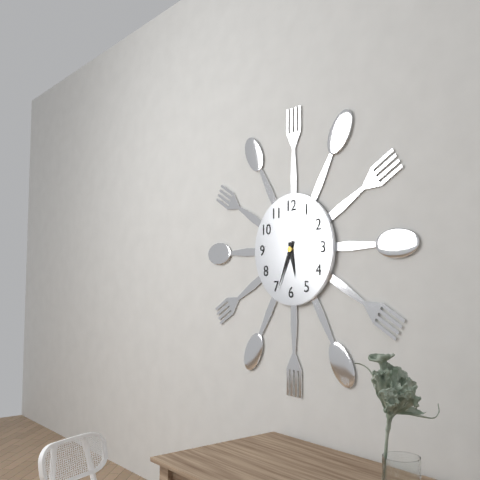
h=5 m=34
